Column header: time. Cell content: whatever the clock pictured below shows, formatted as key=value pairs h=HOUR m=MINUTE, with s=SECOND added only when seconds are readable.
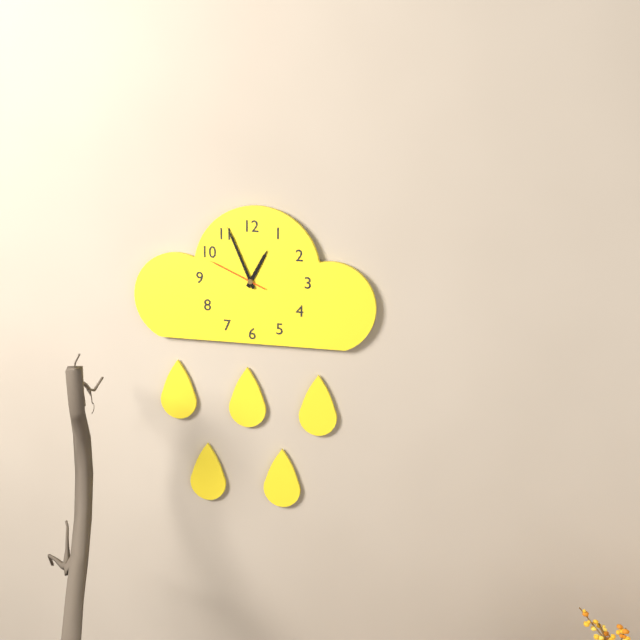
h=12 m=56 s=49
